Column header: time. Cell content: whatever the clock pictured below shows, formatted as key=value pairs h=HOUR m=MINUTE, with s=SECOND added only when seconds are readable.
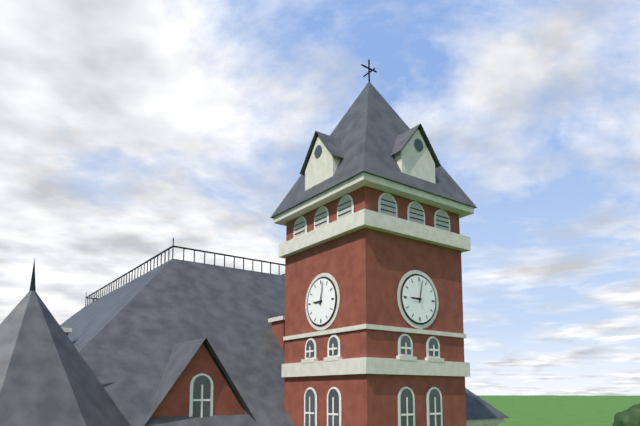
h=9 m=2
